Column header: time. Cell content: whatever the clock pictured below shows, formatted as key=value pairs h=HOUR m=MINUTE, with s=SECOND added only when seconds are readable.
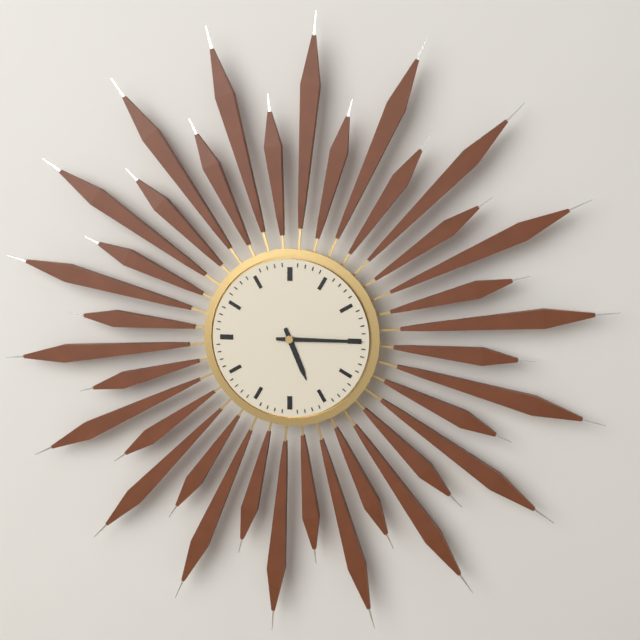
h=5 m=15
